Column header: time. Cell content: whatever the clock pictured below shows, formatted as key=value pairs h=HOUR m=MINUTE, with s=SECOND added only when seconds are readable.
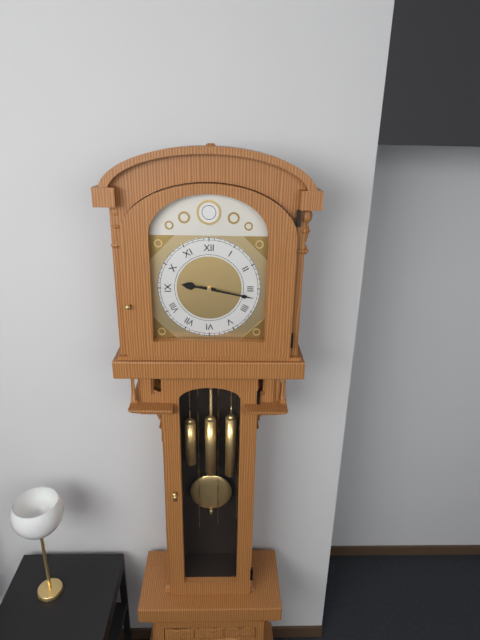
h=9 m=17
